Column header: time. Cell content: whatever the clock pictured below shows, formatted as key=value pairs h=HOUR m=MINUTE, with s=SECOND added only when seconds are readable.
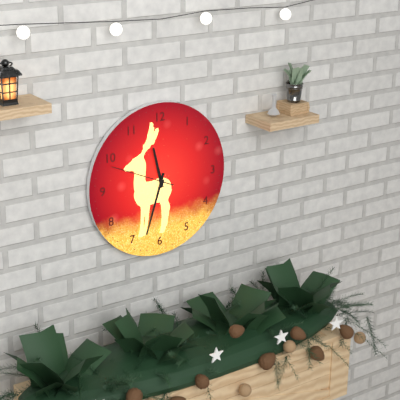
h=11 m=33 s=49
